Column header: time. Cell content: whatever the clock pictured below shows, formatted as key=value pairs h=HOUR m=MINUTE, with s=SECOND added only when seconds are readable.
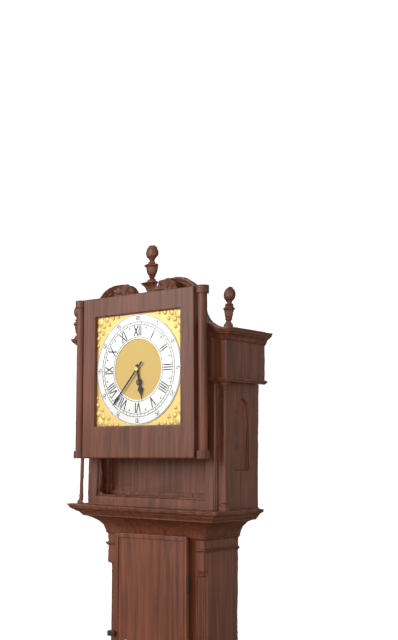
h=5 m=37
